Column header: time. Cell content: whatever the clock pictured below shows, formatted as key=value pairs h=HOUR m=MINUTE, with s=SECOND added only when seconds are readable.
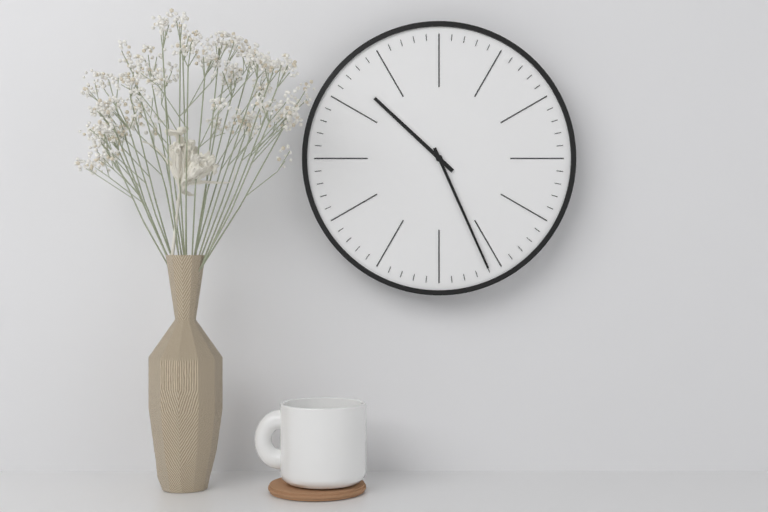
h=10 m=26
